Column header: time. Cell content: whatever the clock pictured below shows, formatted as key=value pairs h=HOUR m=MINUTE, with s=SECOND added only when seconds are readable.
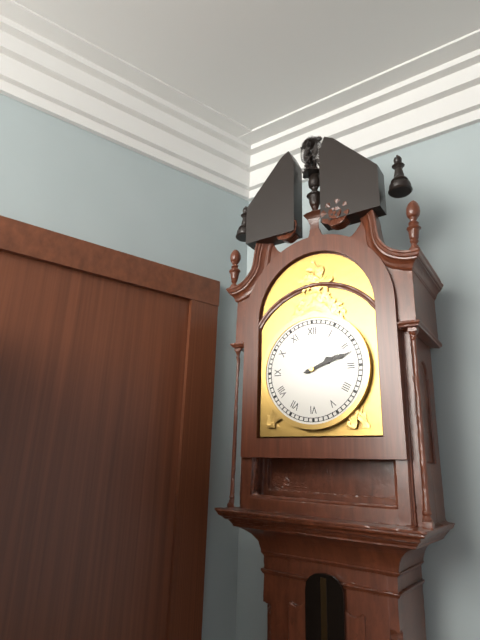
h=2 m=12
